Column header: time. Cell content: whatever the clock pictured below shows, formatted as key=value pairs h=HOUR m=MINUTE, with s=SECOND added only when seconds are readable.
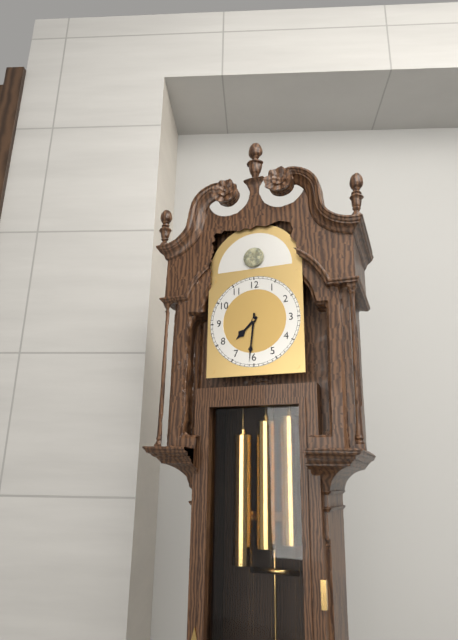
h=7 m=31
